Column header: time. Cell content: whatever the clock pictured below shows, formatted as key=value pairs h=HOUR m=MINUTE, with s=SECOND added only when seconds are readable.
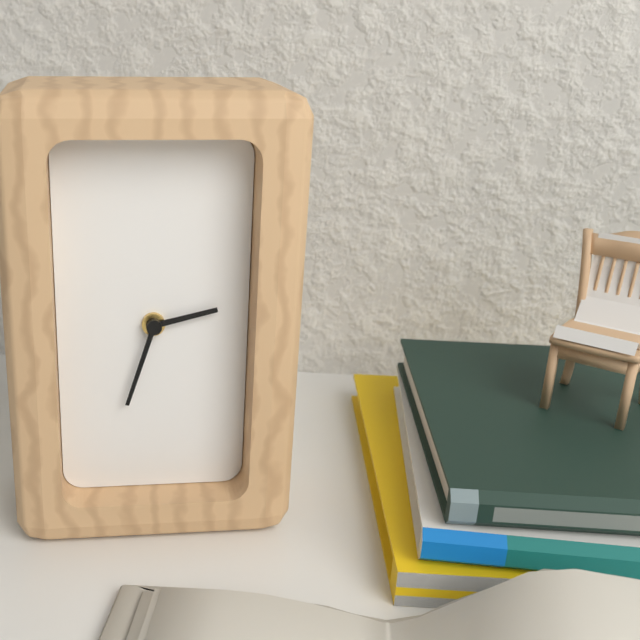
h=2 m=33
